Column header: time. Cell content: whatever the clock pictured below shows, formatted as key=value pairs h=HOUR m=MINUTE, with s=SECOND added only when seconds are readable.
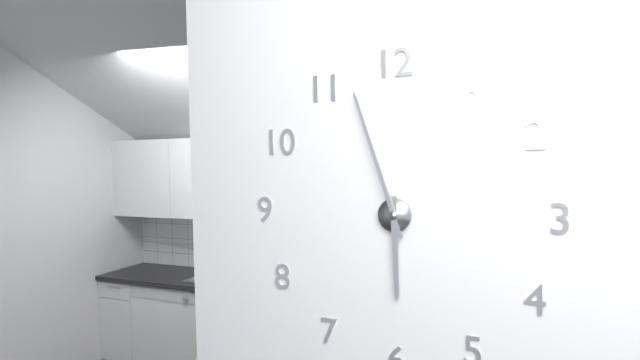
h=5 m=57
